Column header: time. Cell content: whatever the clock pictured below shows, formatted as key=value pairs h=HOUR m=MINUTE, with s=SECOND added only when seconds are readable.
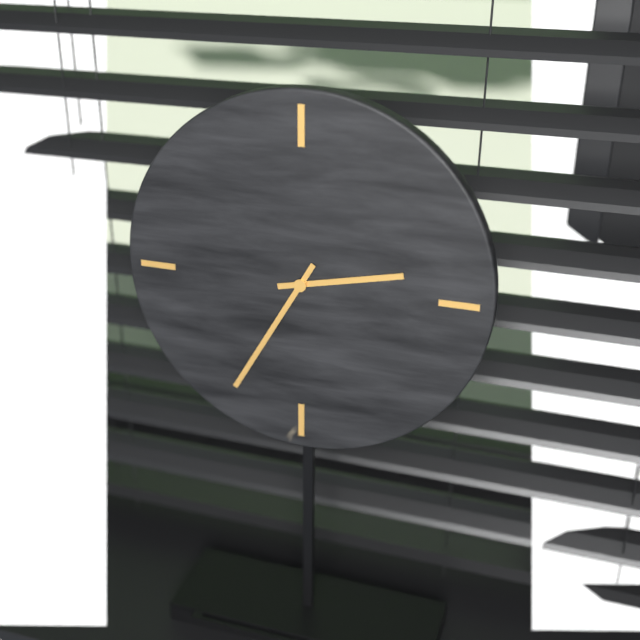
h=2 m=35
